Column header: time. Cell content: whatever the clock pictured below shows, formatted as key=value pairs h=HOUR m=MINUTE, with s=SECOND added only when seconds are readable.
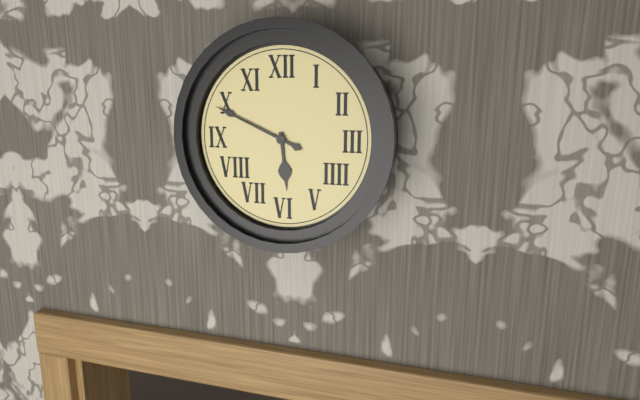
h=5 m=49
